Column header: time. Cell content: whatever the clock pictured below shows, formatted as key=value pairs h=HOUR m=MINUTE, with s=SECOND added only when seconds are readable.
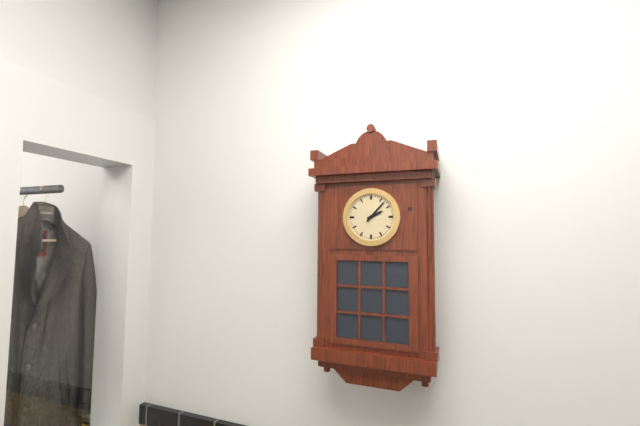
h=2 m=7
